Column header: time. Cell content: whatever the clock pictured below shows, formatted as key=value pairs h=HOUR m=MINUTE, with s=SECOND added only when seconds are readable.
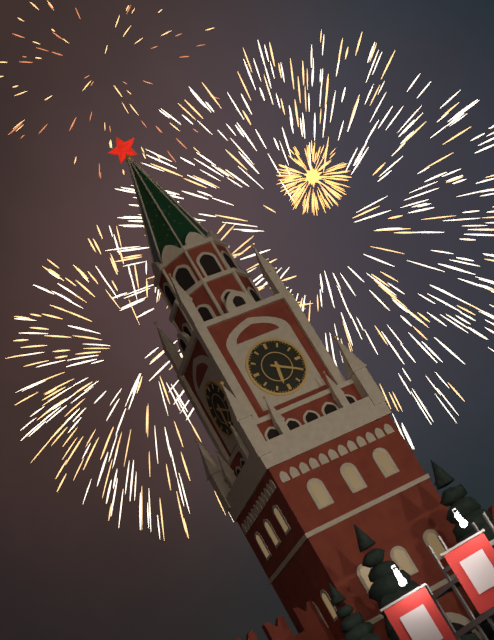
h=6 m=20
